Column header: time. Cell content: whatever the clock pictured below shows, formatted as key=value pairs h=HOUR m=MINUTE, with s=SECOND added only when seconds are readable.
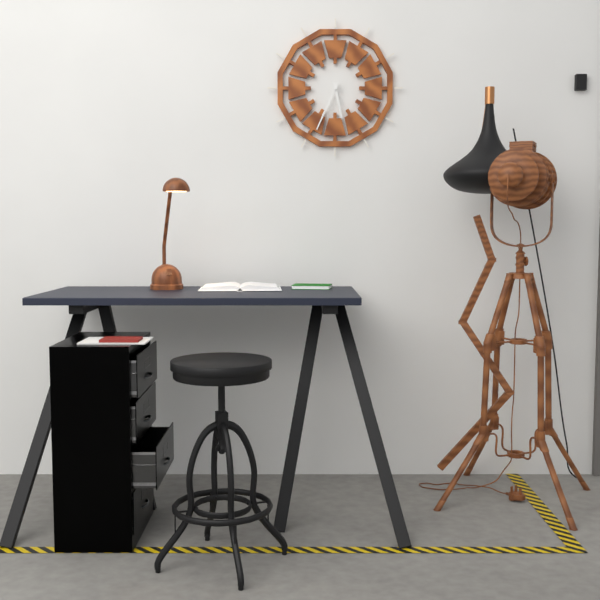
h=5 m=34
